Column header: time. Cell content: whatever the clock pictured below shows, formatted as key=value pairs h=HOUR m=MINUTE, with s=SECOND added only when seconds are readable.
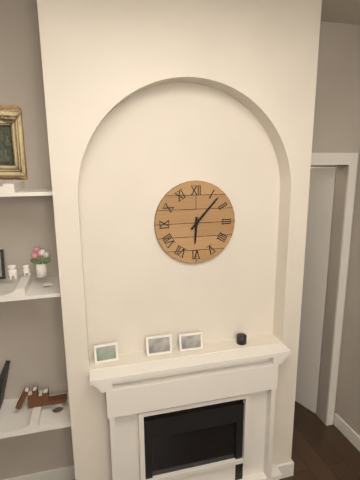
h=6 m=7
